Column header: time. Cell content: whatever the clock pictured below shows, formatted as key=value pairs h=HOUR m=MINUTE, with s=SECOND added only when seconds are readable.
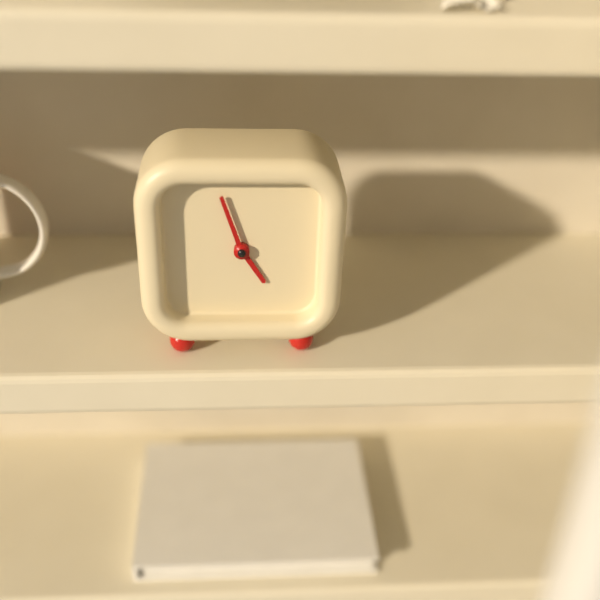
h=4 m=57
